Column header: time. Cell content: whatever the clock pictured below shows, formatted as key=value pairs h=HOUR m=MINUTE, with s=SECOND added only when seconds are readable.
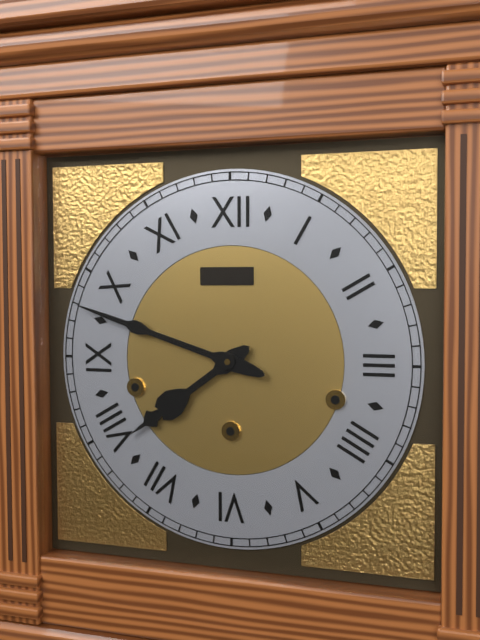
h=7 m=48
